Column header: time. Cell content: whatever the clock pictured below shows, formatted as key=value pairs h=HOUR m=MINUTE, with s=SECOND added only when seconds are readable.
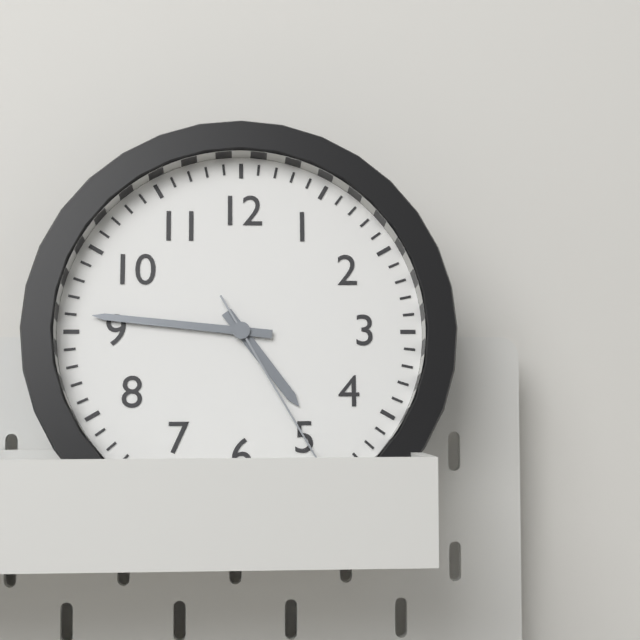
h=4 m=46 s=25
